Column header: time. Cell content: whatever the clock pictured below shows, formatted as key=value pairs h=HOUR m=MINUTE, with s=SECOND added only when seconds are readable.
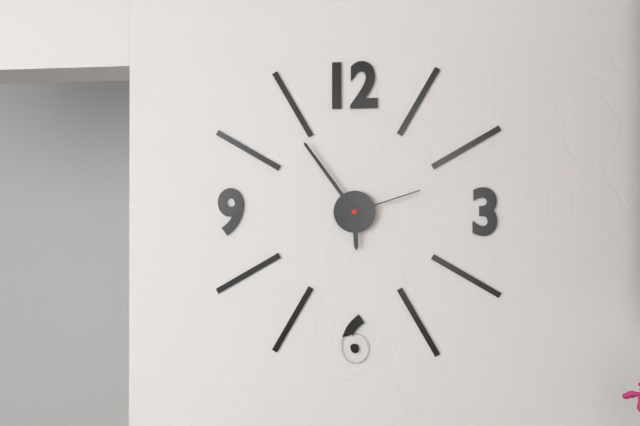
h=5 m=54 s=12
